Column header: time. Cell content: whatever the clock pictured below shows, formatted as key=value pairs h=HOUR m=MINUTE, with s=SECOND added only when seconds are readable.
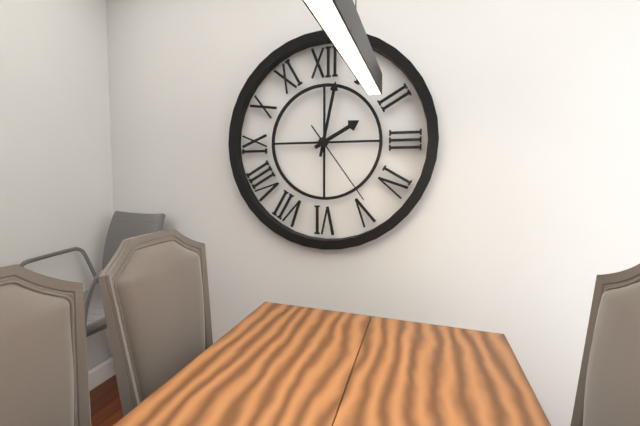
h=2 m=2 s=24
